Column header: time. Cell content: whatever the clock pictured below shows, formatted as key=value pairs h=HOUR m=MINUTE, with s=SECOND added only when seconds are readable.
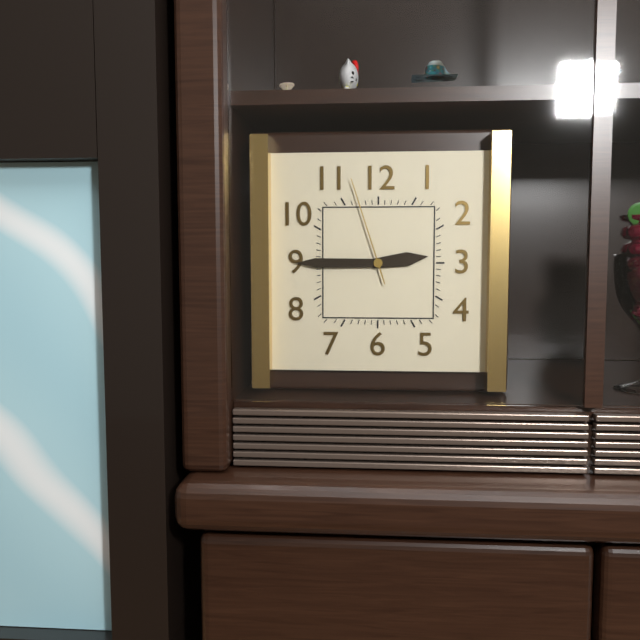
h=2 m=45 s=57
